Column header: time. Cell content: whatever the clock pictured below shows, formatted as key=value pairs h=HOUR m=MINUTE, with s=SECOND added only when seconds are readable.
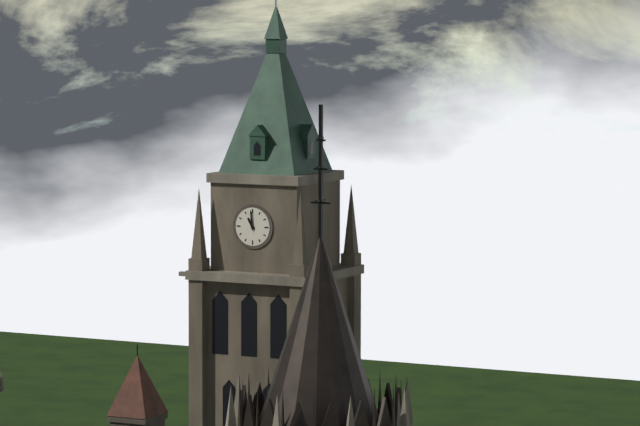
h=10 m=59
